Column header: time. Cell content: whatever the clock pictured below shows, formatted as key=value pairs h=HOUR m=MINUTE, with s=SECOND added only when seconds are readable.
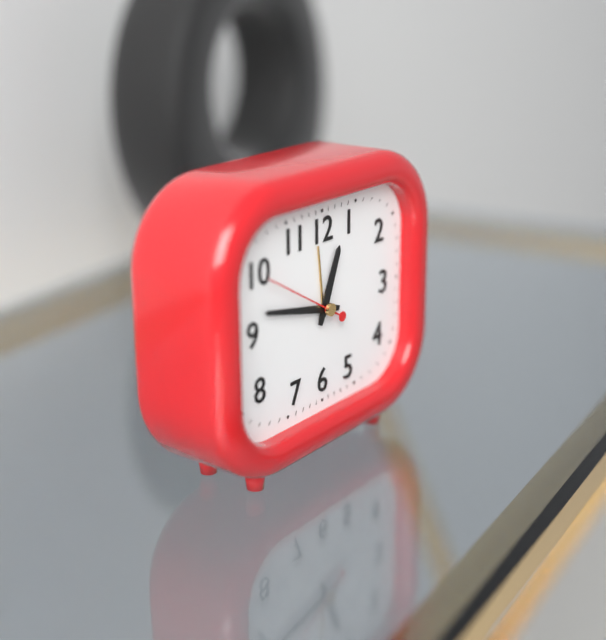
h=12 m=47 s=50
